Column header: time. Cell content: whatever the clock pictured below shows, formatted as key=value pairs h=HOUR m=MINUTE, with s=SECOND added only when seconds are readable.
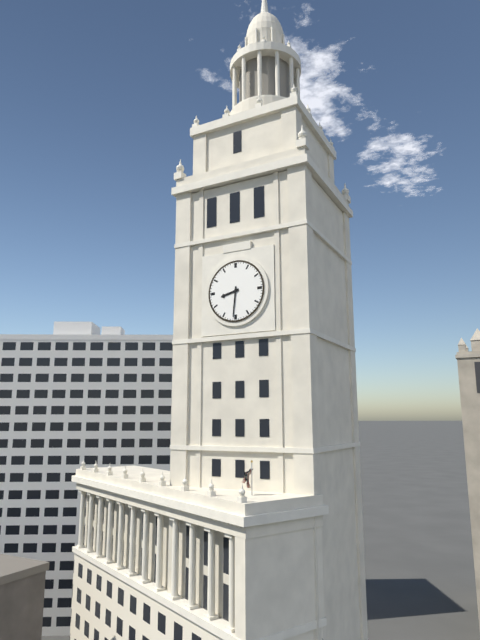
h=8 m=31
